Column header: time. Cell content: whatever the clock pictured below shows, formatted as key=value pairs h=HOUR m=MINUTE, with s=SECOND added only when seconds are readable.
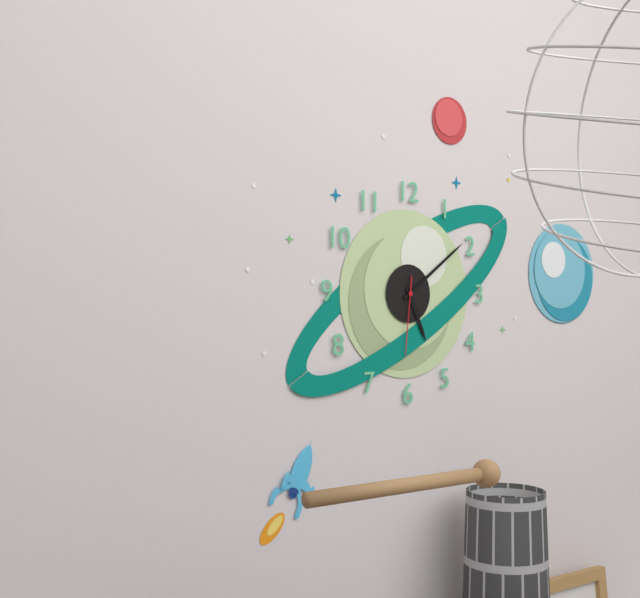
h=5 m=9 s=31
